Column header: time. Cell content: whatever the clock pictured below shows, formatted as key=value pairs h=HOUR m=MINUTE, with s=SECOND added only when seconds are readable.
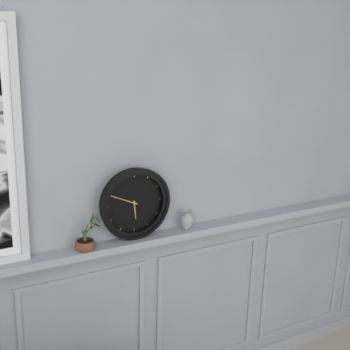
h=5 m=49
